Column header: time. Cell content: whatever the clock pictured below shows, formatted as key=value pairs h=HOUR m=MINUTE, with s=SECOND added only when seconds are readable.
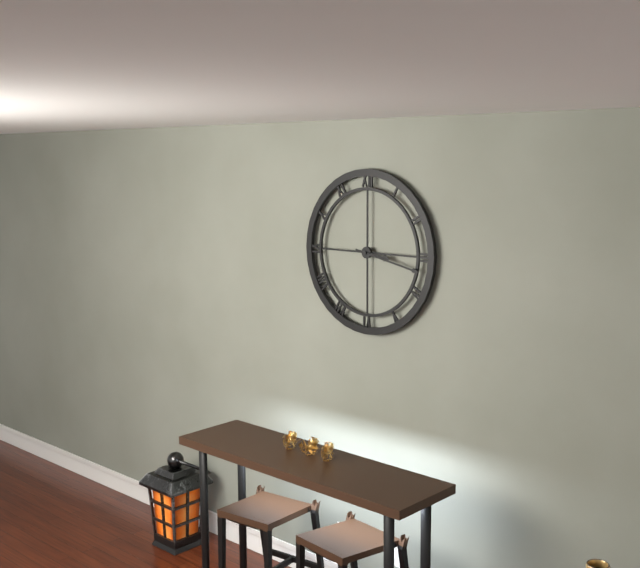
h=3 m=17
